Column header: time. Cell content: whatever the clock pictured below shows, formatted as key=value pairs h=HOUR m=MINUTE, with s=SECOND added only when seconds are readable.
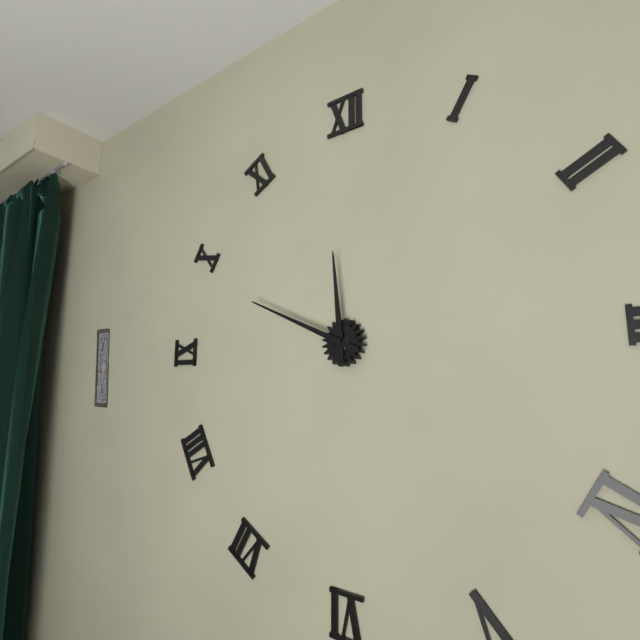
h=11 m=49
